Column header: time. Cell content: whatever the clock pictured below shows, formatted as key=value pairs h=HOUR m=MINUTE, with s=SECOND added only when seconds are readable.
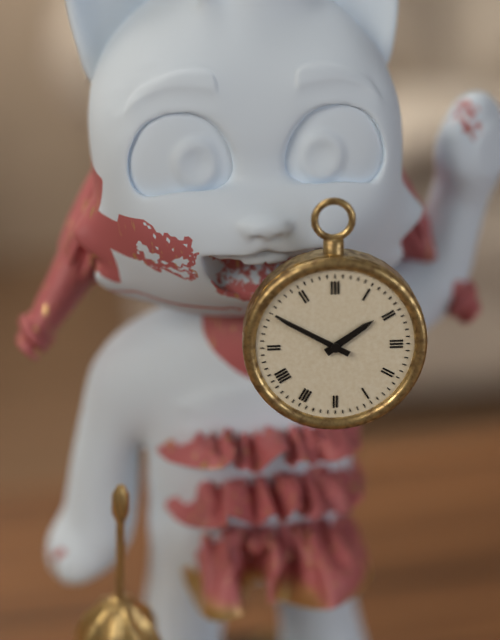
h=1 m=50
